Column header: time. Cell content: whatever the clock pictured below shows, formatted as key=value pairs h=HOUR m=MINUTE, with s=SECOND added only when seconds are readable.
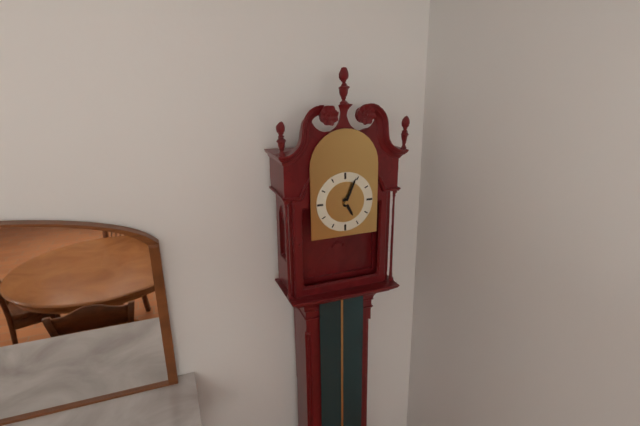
h=5 m=4
